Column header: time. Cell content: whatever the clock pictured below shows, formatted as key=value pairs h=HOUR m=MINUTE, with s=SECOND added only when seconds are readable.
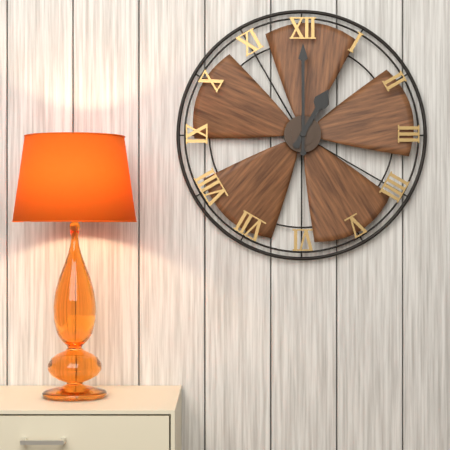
h=1 m=0
